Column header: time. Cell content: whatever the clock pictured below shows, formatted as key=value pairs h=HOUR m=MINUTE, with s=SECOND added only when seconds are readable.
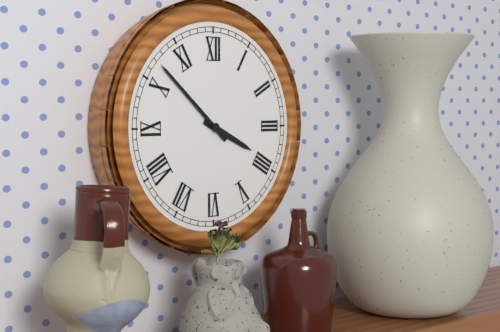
h=3 m=52
